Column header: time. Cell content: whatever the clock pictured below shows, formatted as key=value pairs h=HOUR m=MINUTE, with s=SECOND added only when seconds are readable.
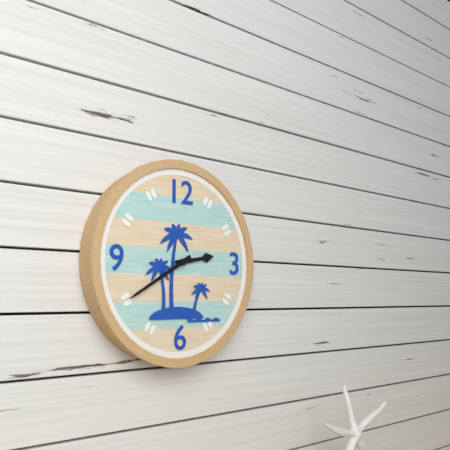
h=2 m=40
